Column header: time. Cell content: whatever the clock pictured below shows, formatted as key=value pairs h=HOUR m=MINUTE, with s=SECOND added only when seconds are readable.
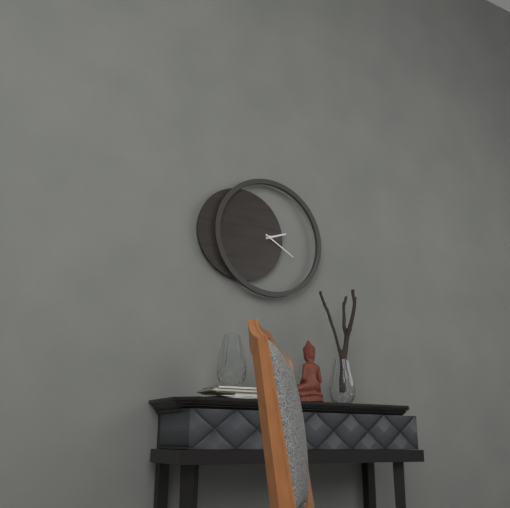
h=2 m=20
